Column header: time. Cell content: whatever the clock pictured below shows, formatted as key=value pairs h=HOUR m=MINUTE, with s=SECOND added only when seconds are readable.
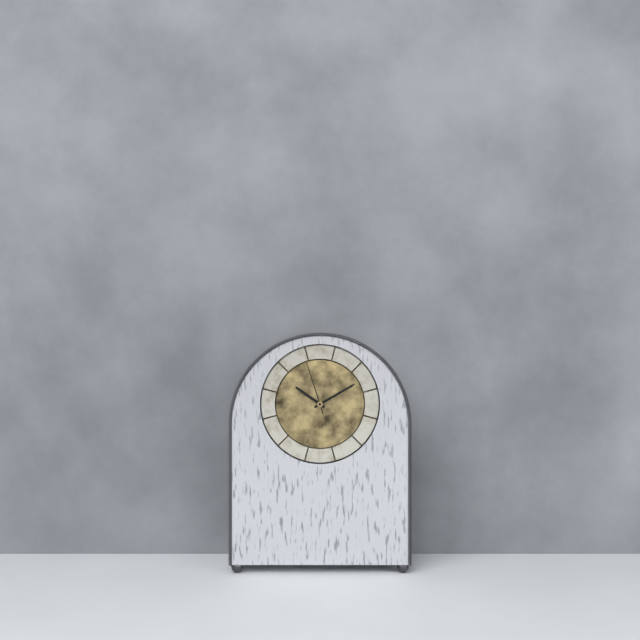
h=10 m=10 s=57
